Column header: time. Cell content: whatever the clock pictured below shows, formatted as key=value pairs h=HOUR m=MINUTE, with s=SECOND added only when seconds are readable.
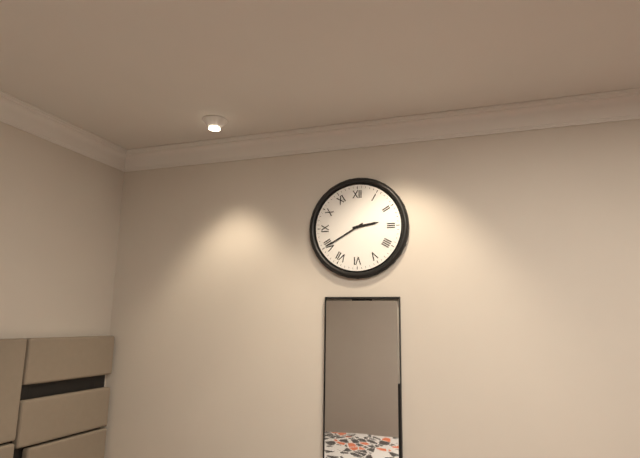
h=2 m=40
